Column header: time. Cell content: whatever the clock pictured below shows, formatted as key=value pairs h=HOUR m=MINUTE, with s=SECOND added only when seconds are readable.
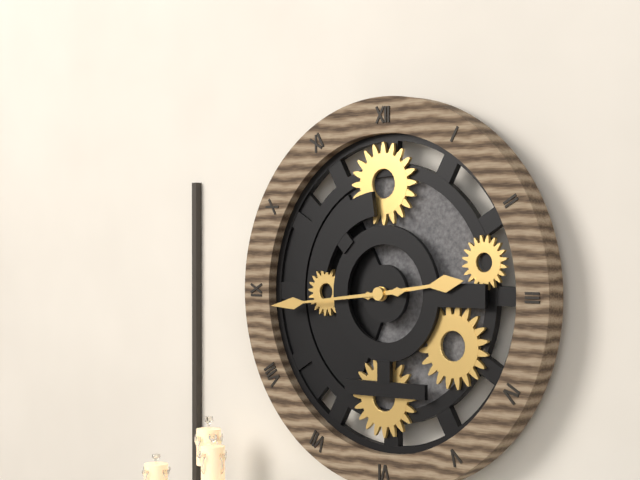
h=2 m=44
